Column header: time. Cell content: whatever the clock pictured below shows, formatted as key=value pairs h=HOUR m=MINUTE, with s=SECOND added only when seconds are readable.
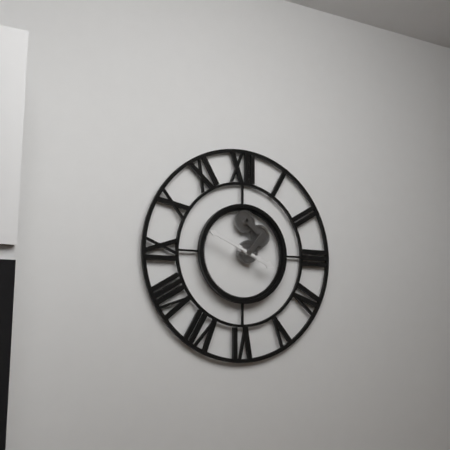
h=3 m=49
